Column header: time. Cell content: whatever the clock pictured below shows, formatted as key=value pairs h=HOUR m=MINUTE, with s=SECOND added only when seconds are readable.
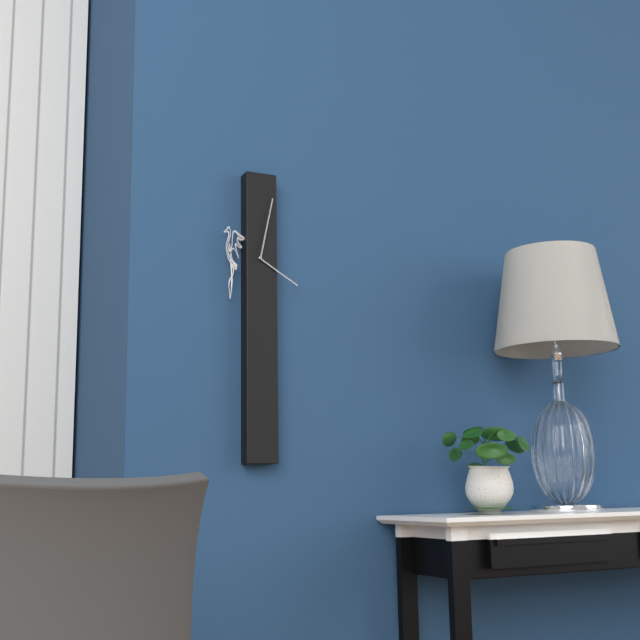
h=4 m=2
